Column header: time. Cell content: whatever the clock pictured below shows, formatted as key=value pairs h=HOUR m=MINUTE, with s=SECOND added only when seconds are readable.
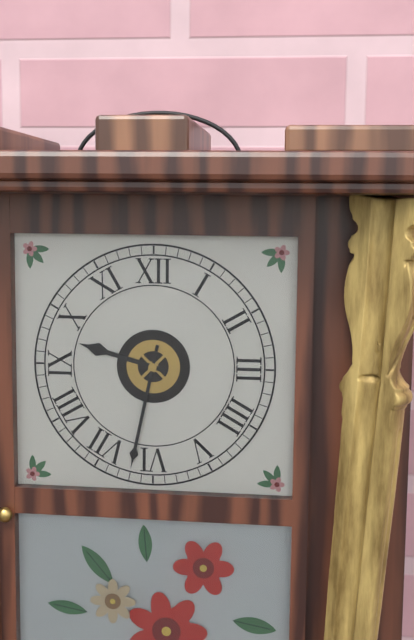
h=9 m=32
